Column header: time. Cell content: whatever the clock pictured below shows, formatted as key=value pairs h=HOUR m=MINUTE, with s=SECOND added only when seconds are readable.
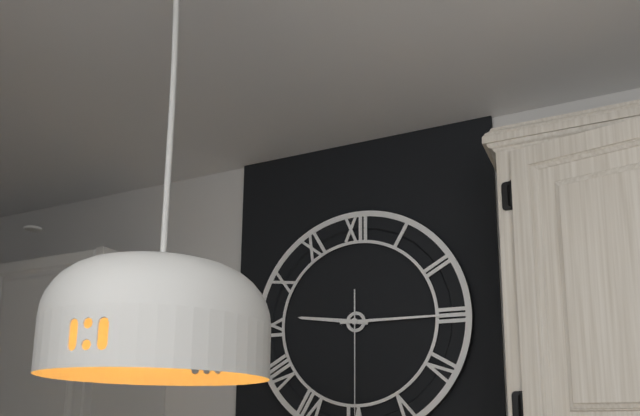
h=9 m=15
